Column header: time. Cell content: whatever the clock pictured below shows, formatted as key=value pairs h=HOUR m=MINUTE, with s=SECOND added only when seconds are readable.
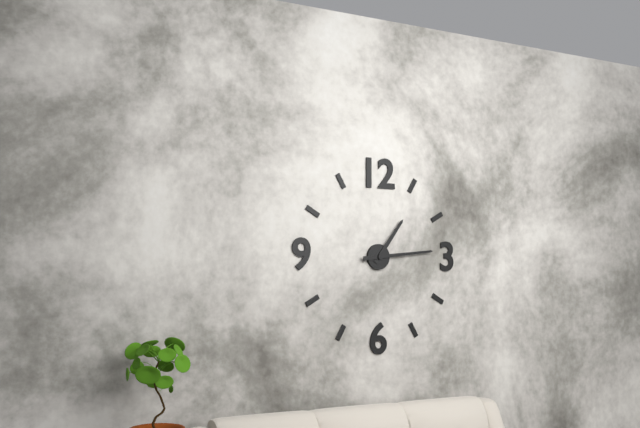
h=1 m=14
